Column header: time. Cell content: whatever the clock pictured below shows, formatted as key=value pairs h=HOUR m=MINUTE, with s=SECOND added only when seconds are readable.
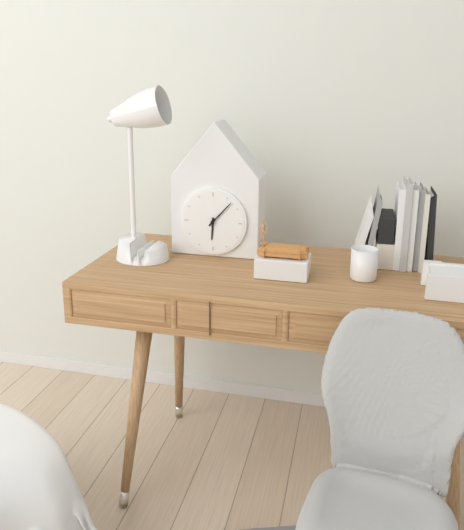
h=6 m=7
